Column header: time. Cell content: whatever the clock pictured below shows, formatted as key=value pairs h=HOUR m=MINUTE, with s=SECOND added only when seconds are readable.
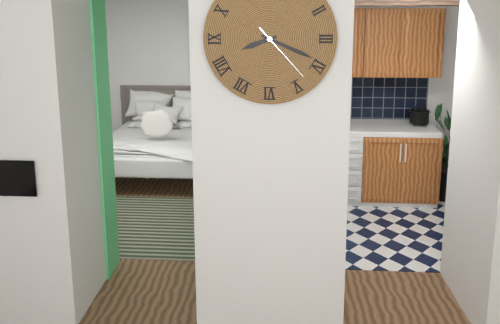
h=8 m=19 s=23
